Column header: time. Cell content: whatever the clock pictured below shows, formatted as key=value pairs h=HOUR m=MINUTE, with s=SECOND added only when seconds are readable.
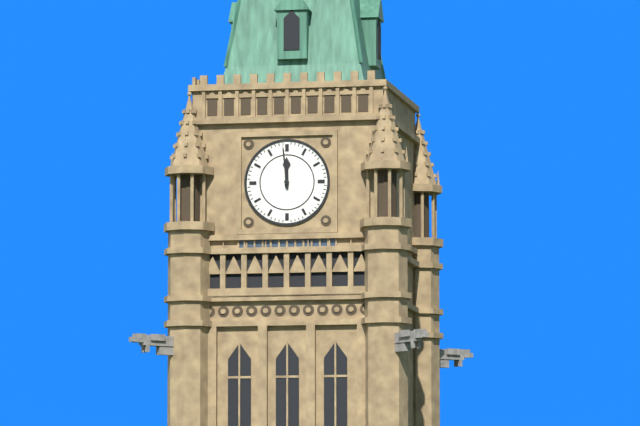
h=11 m=59
